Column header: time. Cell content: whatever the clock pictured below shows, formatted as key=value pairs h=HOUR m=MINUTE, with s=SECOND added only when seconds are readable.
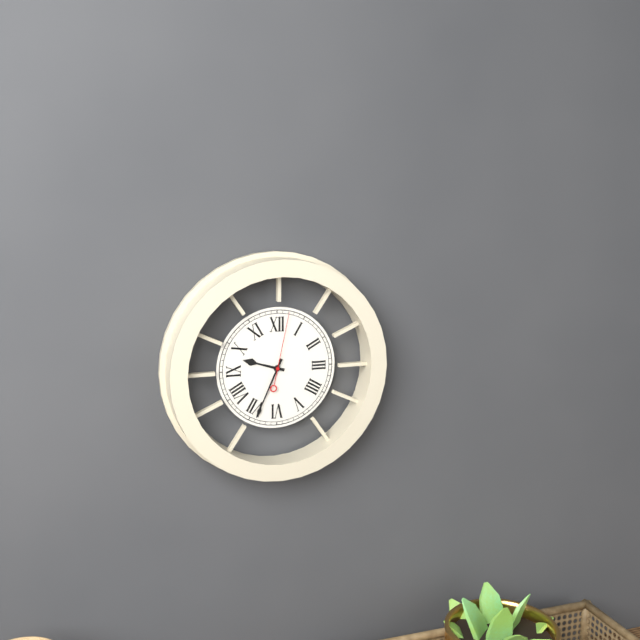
h=9 m=34 s=2
